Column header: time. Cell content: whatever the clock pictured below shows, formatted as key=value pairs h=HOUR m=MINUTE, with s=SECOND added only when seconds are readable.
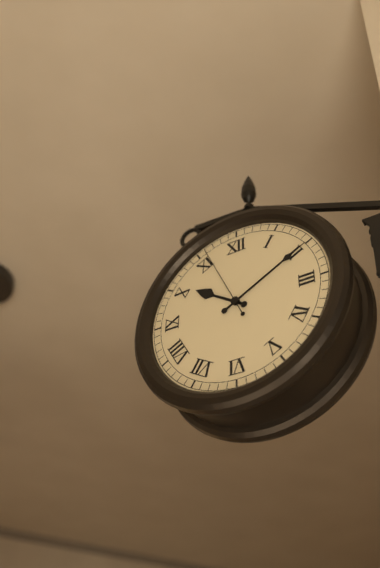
h=10 m=10 s=56
